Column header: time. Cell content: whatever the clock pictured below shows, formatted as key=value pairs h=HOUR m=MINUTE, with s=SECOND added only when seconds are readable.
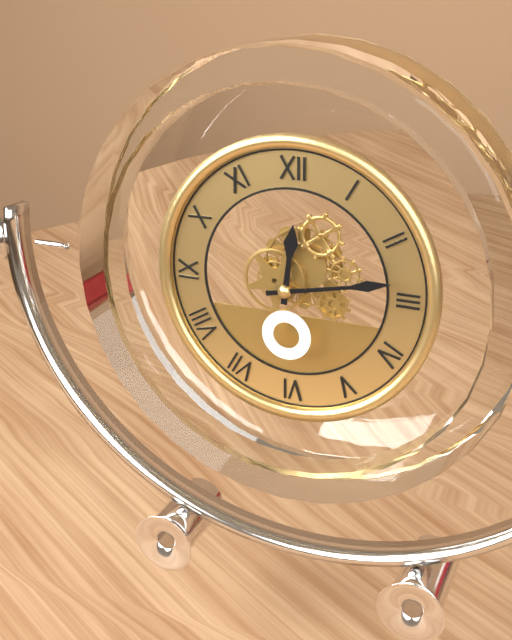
h=12 m=13
